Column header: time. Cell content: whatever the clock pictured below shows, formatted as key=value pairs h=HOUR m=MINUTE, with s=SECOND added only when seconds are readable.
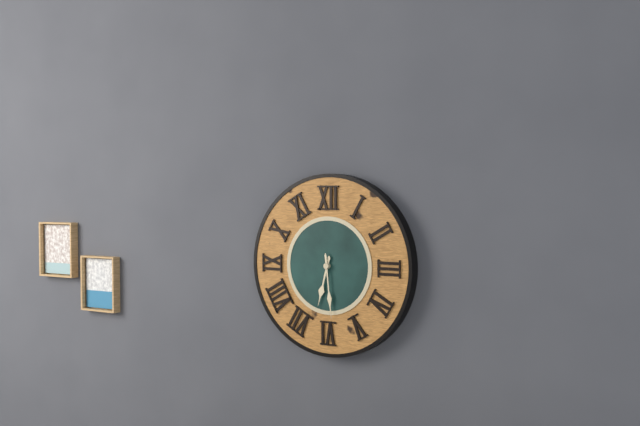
h=6 m=29
